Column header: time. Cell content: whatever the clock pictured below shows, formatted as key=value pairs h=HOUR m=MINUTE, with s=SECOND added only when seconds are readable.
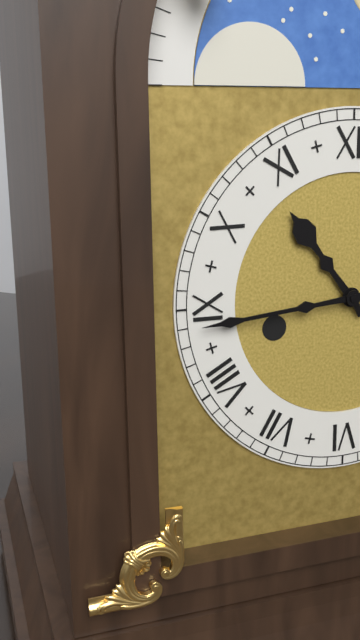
h=10 m=44
